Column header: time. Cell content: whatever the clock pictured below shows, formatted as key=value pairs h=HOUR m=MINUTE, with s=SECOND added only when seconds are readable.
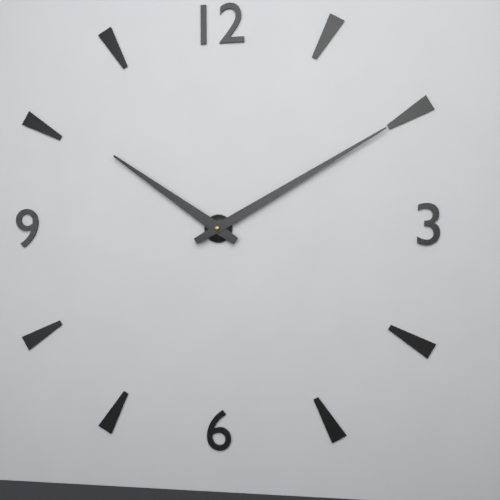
h=10 m=10
